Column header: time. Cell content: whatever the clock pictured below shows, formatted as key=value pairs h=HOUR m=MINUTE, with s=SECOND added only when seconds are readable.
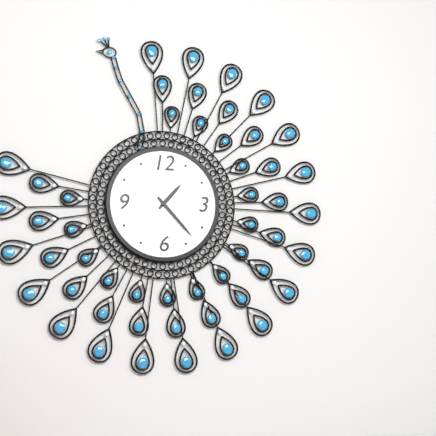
h=1 m=23
